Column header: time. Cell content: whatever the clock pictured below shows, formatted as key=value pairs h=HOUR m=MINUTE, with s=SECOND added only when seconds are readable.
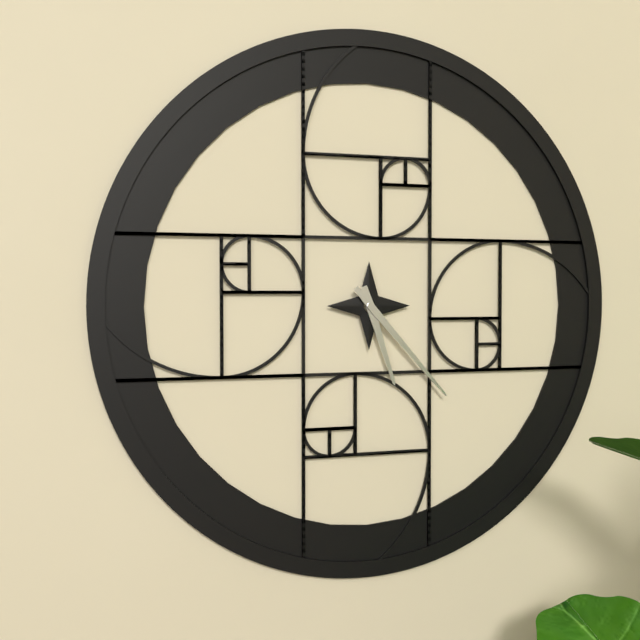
h=5 m=23
